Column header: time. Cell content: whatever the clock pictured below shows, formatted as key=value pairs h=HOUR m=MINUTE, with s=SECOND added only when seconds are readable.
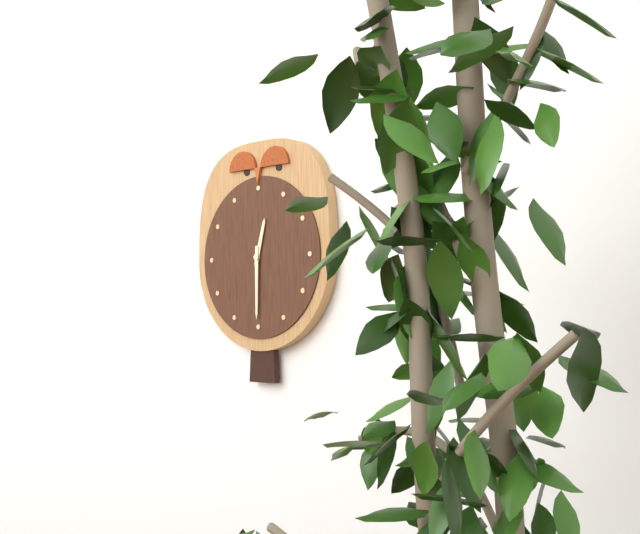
h=12 m=30
